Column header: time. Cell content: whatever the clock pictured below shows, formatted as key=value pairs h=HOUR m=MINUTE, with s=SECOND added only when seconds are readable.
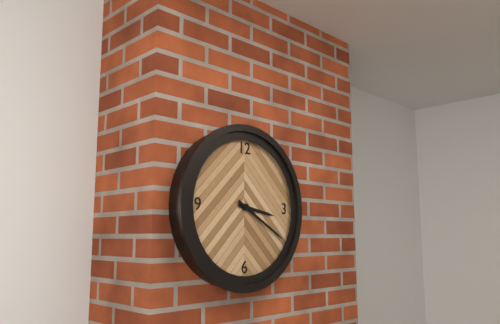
h=3 m=20
